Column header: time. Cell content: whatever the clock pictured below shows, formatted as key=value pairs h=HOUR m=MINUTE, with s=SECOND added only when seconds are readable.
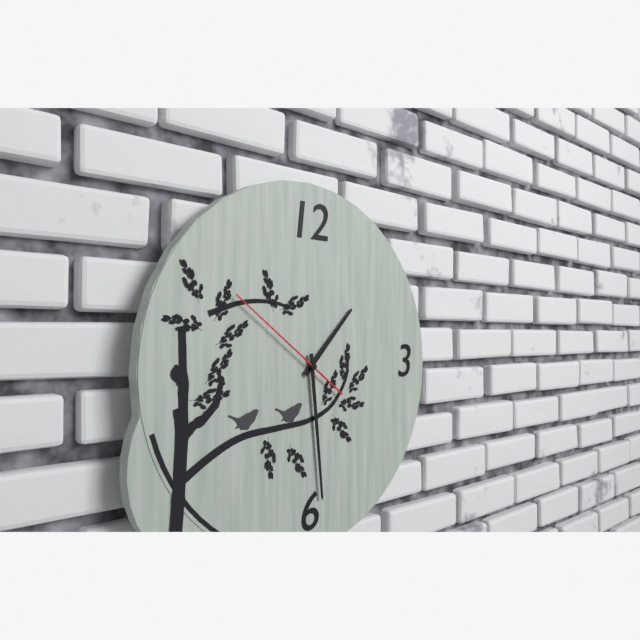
h=1 m=29 s=51
